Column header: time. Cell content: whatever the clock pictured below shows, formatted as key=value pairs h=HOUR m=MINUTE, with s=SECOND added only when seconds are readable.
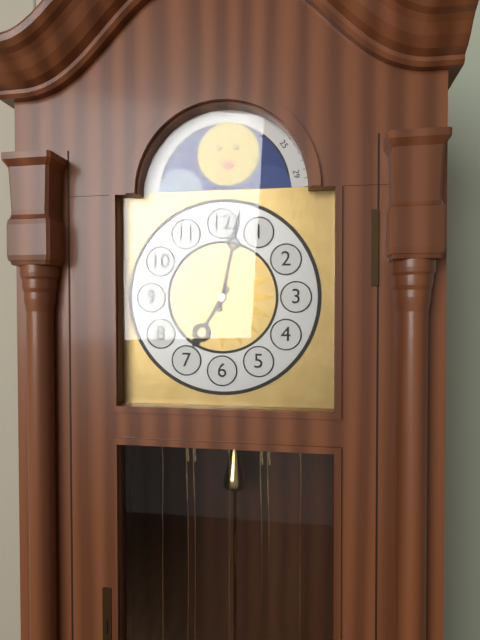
h=7 m=2
